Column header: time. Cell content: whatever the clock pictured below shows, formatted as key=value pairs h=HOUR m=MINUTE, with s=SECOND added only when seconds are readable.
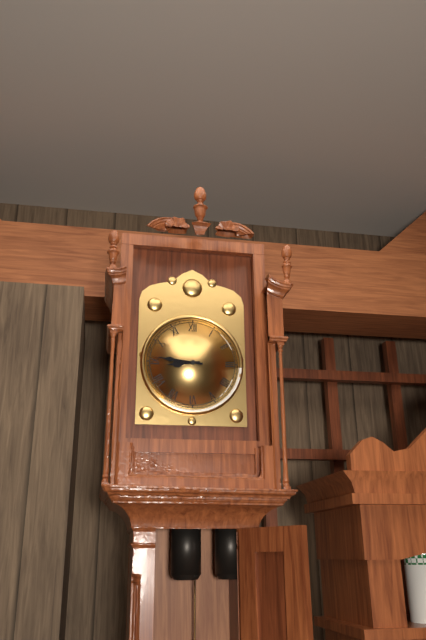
h=8 m=46
